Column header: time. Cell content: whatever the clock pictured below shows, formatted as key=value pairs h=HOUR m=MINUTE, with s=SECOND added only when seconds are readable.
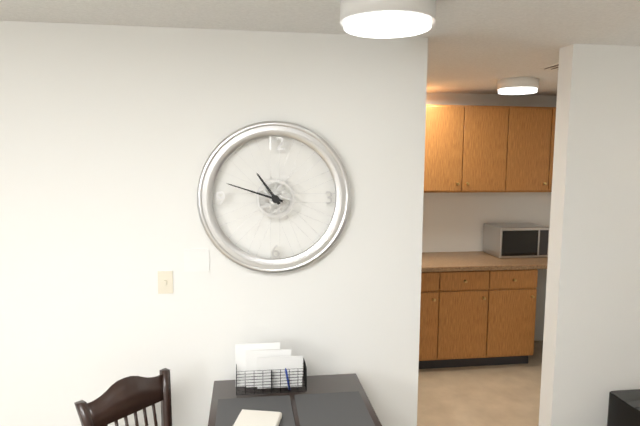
h=10 m=48
